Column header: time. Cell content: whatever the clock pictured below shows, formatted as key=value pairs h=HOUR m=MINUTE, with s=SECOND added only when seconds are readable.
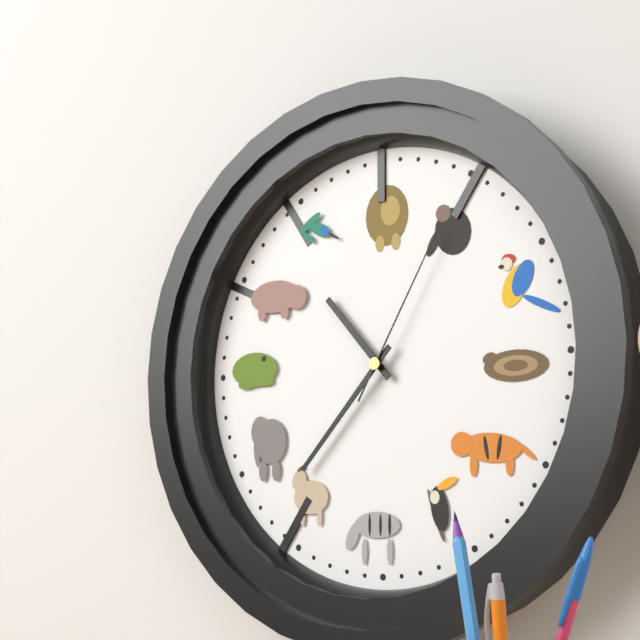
h=10 m=37 s=5
